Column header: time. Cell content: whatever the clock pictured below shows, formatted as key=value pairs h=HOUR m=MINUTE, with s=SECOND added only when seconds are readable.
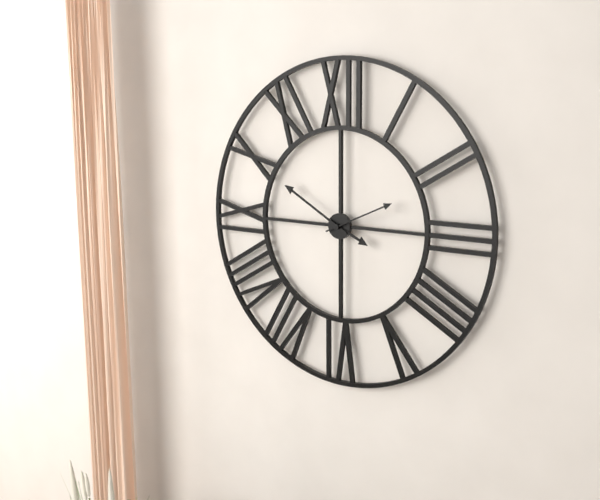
h=3 m=50 s=11
